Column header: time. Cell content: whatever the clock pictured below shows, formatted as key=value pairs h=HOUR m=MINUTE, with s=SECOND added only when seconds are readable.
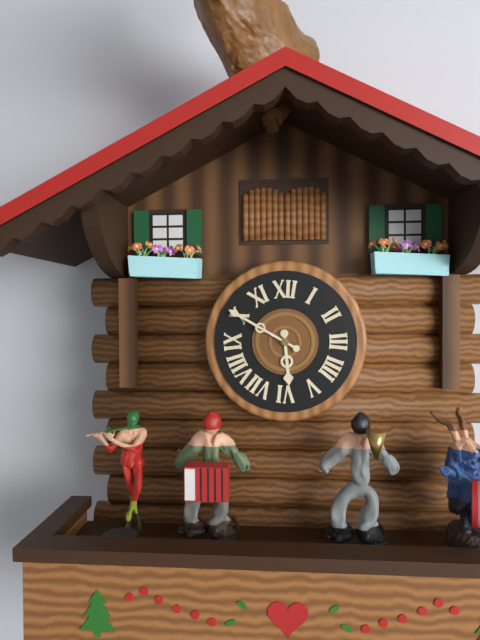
h=5 m=50
